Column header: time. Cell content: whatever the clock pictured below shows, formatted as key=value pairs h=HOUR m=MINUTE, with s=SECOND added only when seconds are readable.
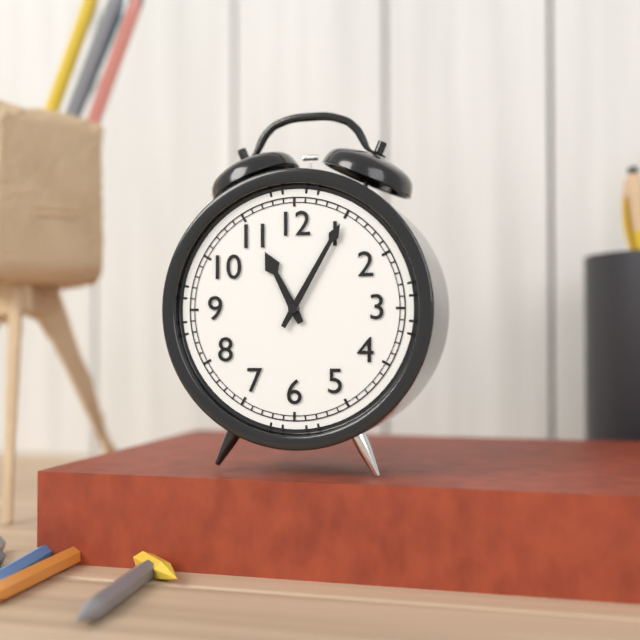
h=11 m=5
